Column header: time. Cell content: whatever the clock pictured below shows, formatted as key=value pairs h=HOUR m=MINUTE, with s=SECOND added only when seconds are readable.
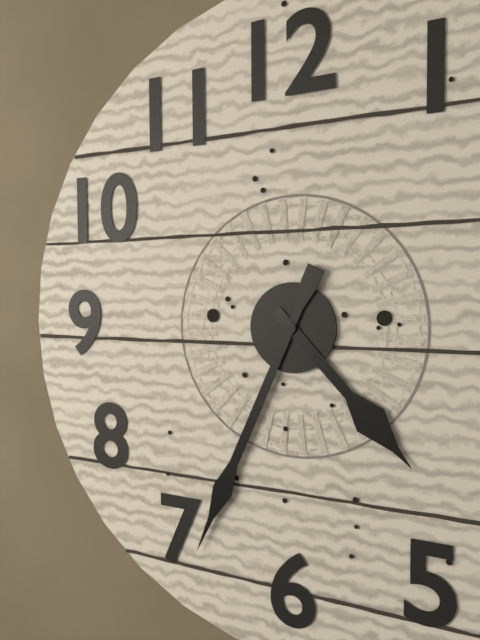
h=4 m=34
